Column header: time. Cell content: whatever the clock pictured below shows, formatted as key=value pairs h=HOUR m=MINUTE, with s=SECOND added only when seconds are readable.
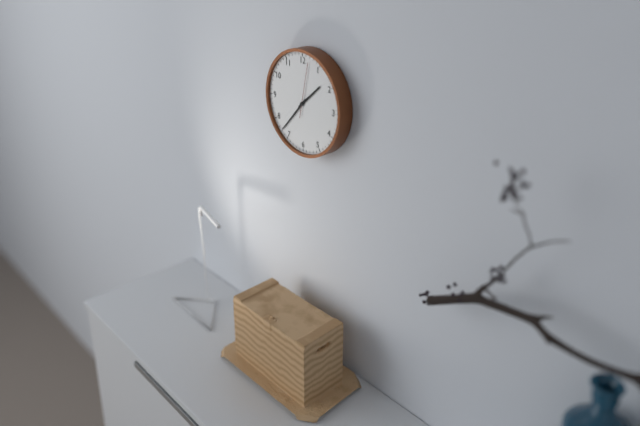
h=1 m=37
